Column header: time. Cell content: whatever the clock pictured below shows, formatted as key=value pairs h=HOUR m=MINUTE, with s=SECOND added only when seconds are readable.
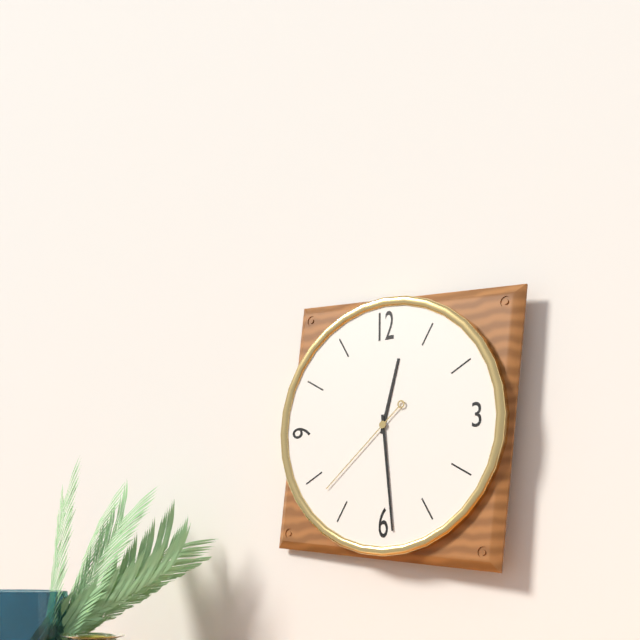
h=12 m=29 s=38
